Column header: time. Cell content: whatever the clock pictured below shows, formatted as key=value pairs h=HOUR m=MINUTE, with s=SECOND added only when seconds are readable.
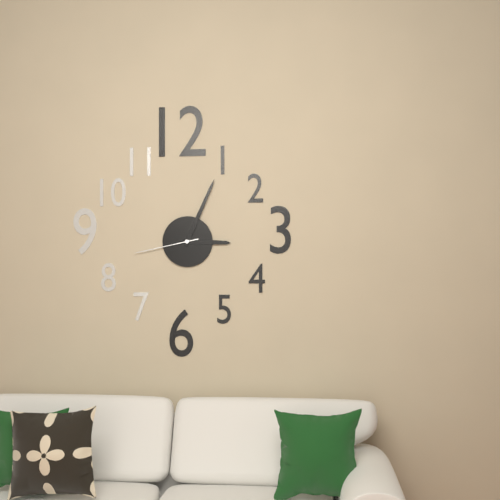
h=3 m=4 s=43
